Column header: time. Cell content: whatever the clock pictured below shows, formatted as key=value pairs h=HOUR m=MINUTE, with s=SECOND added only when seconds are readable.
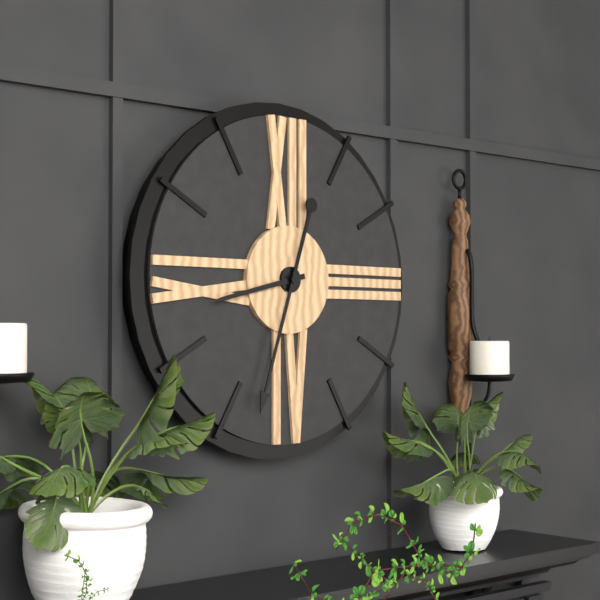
h=8 m=33
